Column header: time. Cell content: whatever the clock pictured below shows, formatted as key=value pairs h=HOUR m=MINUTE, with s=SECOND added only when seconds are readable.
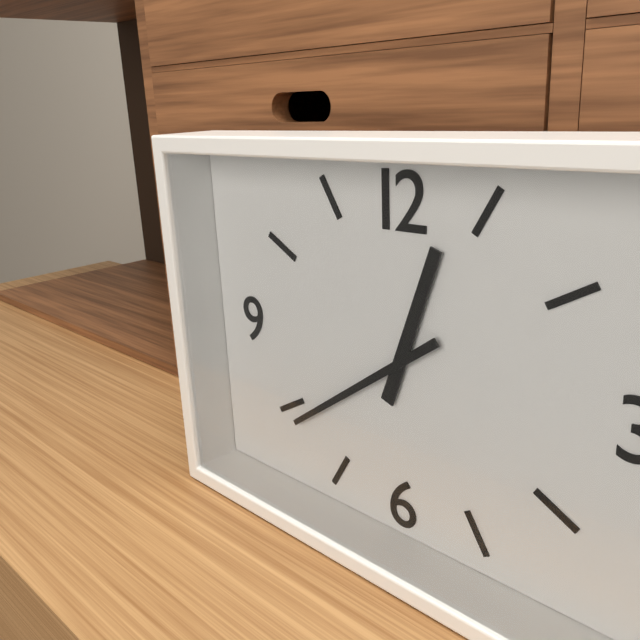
h=12 m=39
